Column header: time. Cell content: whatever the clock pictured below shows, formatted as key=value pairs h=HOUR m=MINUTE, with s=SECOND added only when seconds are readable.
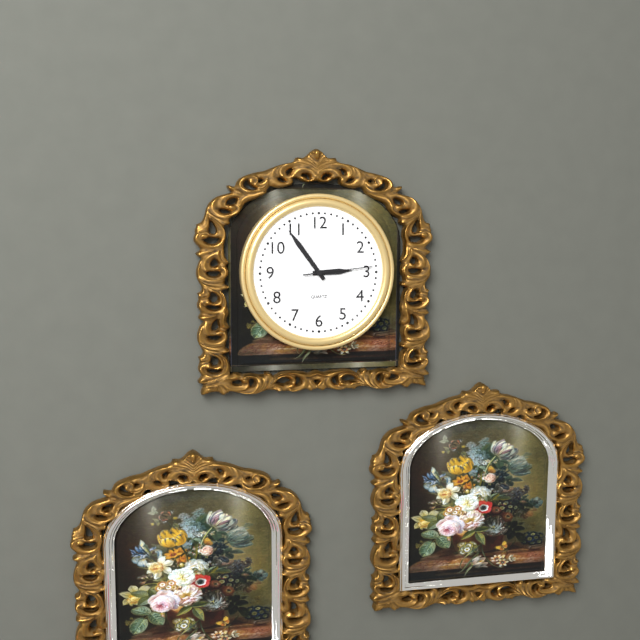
h=2 m=54 s=14
